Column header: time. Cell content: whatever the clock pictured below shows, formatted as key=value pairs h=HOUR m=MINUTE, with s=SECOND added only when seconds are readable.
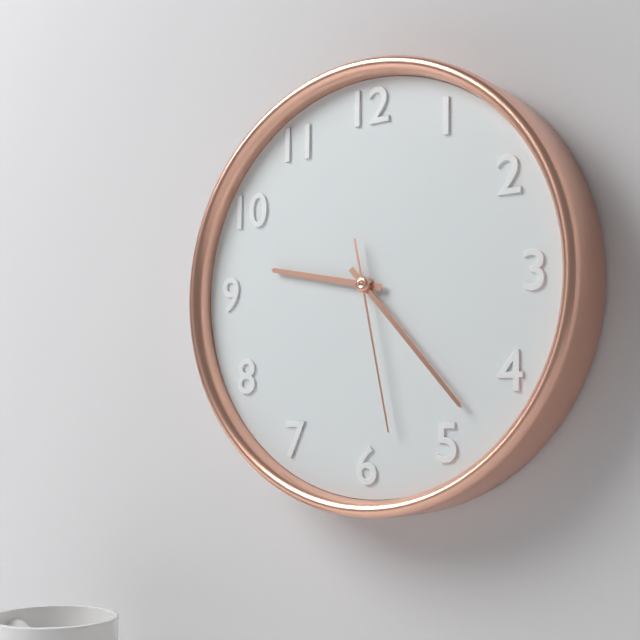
h=9 m=23 s=28
